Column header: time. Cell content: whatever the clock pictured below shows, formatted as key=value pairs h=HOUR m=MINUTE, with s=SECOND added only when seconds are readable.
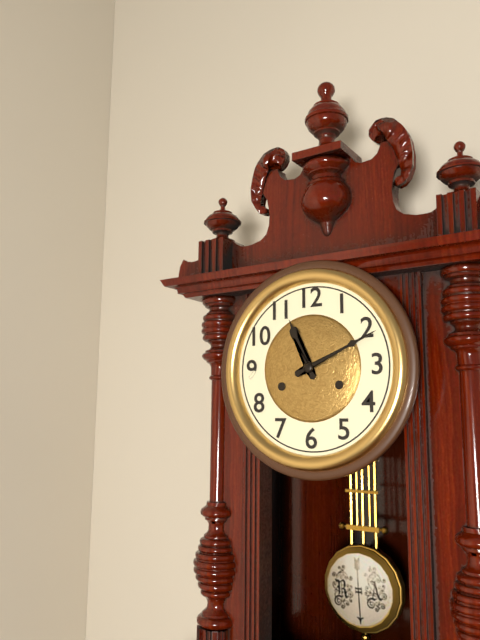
h=11 m=11
